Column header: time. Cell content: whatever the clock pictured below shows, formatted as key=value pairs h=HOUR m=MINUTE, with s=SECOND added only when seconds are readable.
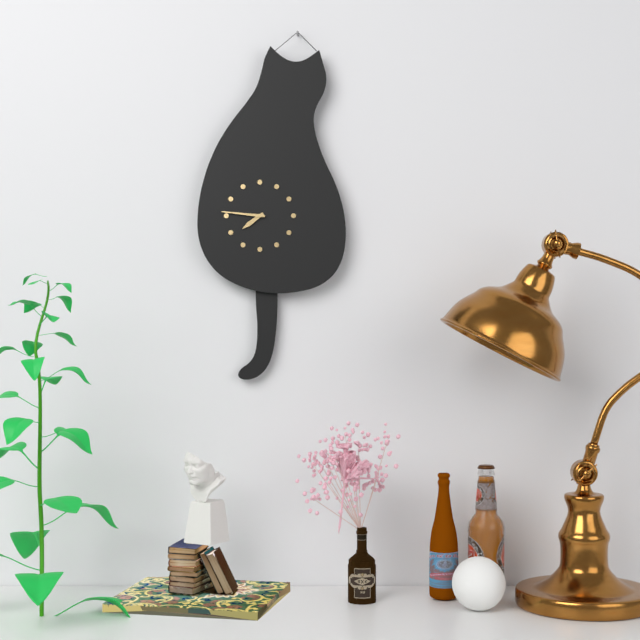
h=7 m=46
